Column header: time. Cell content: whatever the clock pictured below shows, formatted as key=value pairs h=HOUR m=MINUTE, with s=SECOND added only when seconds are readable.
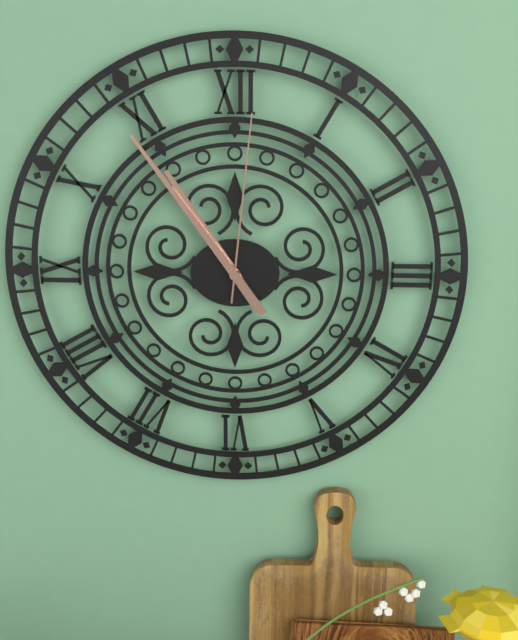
h=10 m=54 s=1
